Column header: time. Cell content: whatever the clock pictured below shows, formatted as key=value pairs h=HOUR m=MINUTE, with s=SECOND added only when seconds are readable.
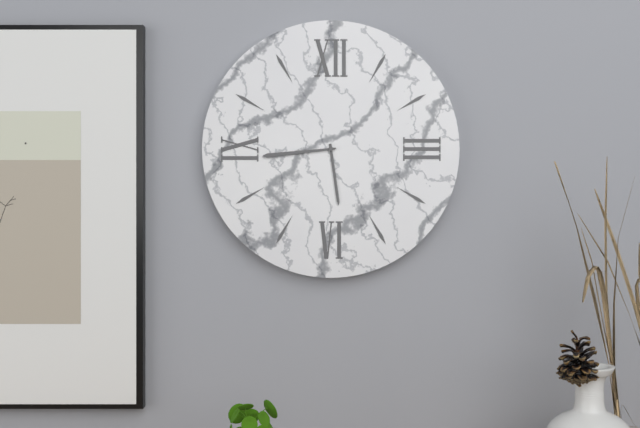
h=5 m=44
